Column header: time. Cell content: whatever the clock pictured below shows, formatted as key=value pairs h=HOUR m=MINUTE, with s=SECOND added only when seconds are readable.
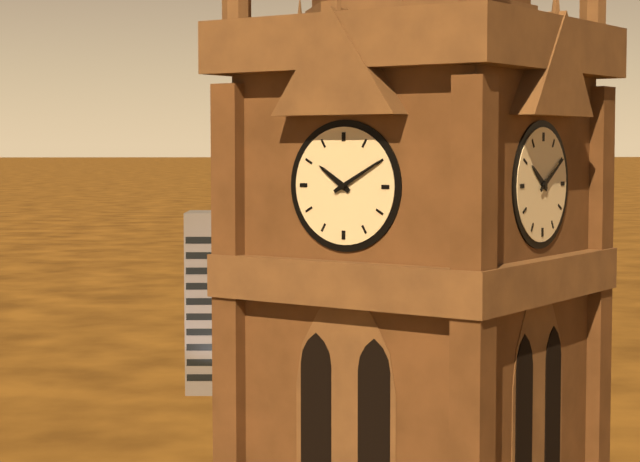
h=10 m=10
